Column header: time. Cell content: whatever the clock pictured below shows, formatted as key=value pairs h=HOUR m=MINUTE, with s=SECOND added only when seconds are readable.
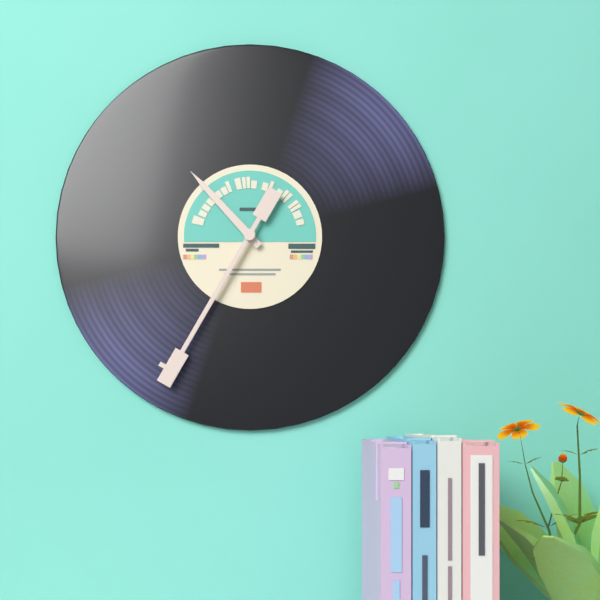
h=10 m=35
